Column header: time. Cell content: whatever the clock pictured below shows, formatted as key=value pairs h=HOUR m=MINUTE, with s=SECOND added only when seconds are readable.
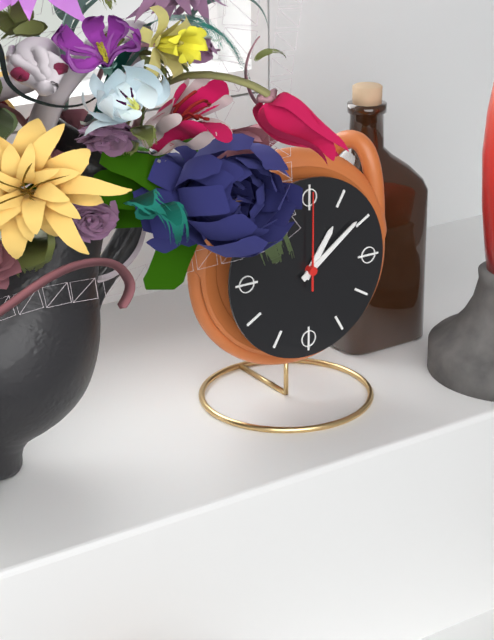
h=1 m=9 s=0
